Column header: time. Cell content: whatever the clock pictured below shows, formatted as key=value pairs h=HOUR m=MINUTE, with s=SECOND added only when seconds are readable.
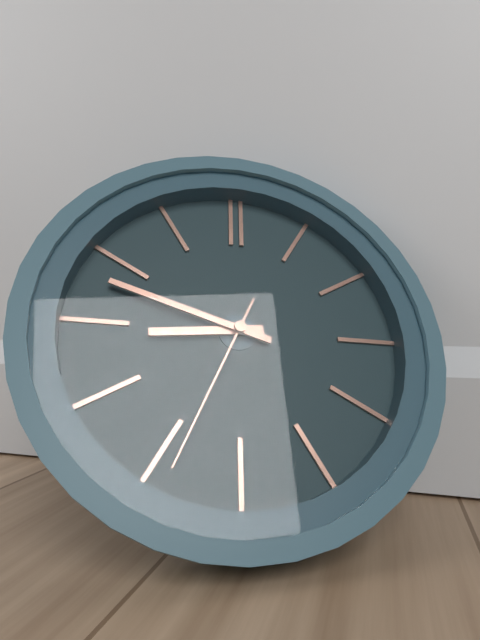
h=8 m=48 s=34
